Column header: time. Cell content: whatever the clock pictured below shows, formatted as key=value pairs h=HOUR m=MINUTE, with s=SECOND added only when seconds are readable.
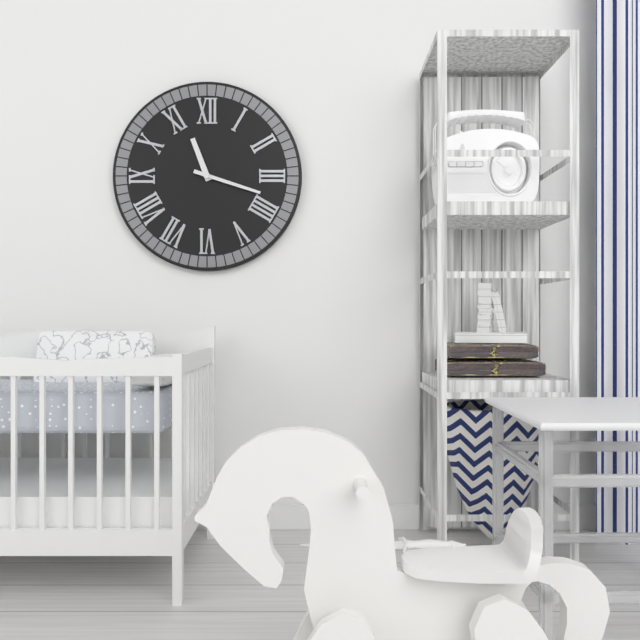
h=11 m=18
